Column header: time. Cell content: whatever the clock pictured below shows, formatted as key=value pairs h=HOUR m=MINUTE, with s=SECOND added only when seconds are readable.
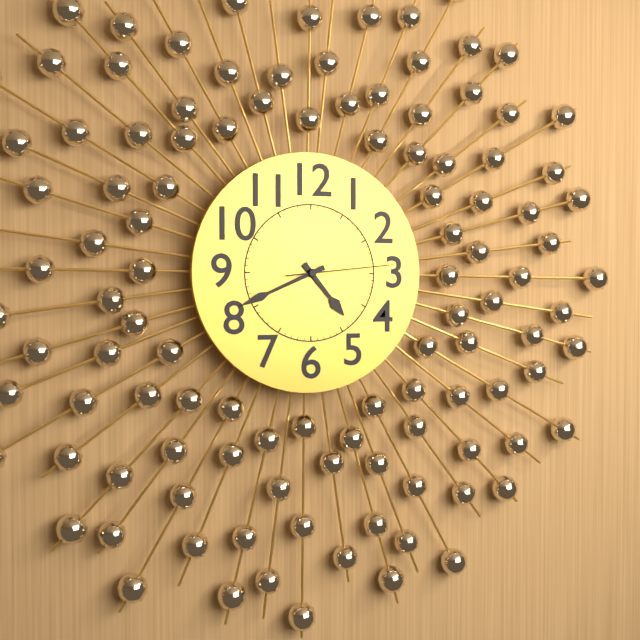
h=4 m=41 s=14
